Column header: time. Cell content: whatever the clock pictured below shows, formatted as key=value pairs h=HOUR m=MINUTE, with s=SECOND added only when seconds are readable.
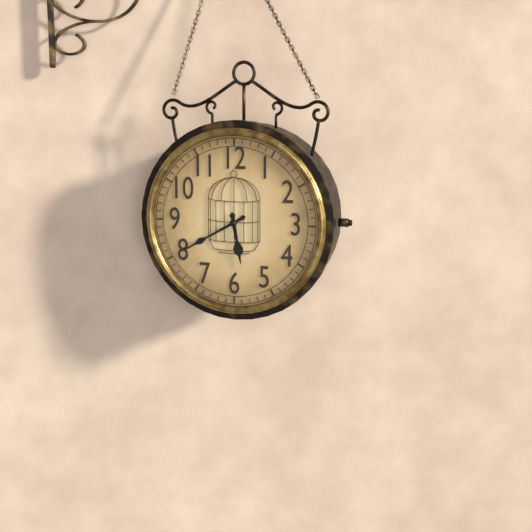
h=5 m=40
